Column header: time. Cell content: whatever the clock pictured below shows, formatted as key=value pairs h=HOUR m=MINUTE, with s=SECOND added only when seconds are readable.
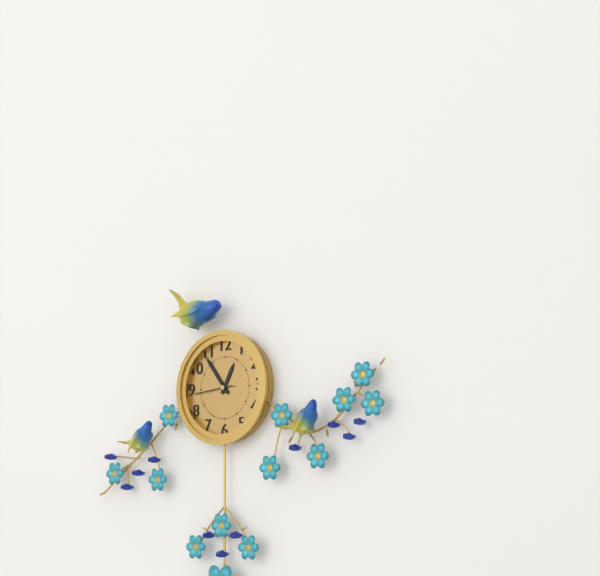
h=12 m=54
